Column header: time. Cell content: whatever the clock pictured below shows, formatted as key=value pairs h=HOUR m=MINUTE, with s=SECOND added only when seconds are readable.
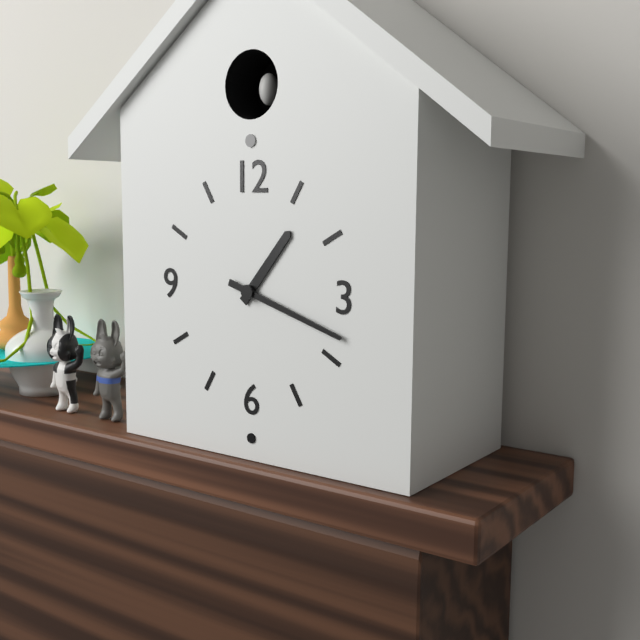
h=1 m=18
